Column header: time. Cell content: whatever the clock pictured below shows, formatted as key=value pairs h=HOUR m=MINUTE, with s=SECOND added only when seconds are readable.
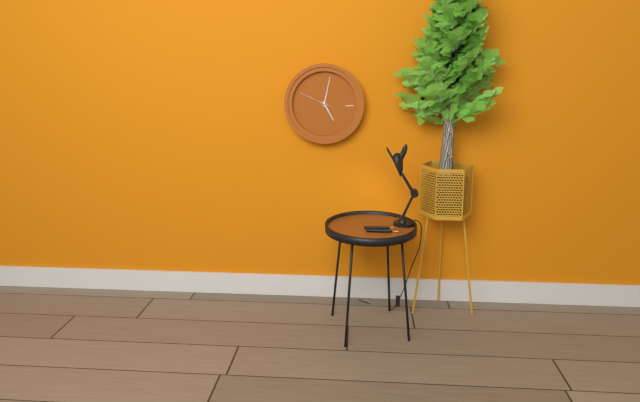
h=5 m=2
